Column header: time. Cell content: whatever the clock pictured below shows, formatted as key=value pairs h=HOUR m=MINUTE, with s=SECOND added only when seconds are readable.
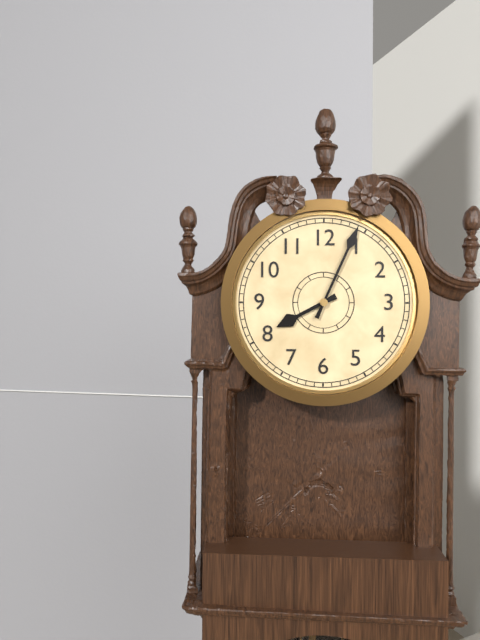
h=8 m=4
